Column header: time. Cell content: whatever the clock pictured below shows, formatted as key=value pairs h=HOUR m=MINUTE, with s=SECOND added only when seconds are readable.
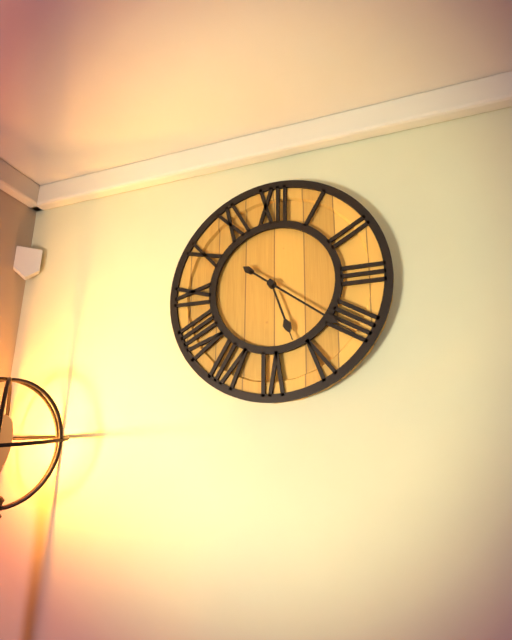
h=5 m=21
